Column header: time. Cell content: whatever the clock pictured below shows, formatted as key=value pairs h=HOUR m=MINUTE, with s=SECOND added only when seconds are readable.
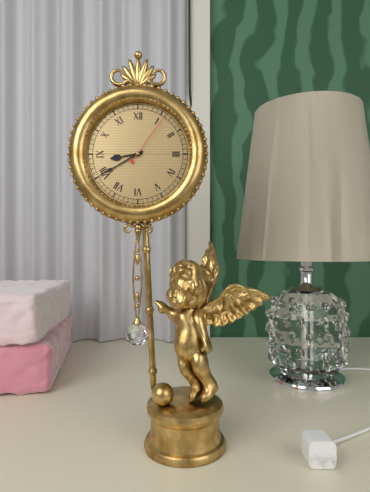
h=8 m=40 s=6
